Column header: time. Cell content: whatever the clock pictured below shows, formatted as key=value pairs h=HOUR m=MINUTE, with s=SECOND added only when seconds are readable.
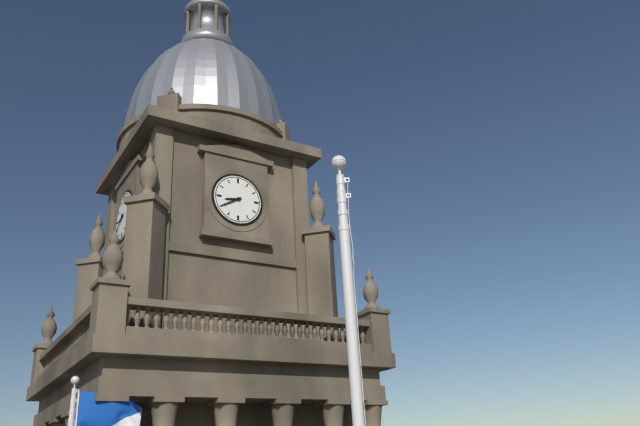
h=8 m=40
